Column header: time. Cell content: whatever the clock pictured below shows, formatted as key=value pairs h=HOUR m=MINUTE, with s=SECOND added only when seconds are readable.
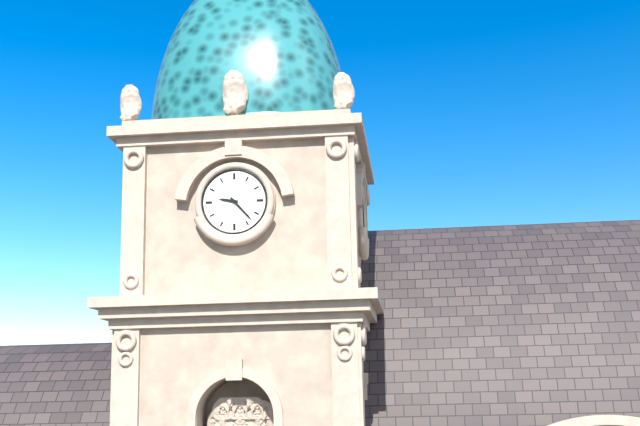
h=9 m=23
